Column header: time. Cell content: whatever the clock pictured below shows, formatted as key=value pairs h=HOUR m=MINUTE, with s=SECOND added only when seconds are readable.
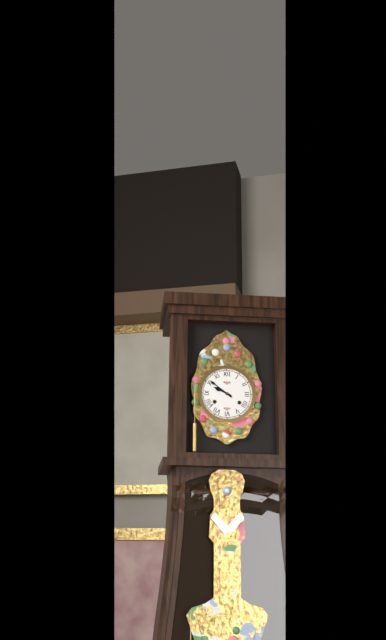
h=9 m=51
